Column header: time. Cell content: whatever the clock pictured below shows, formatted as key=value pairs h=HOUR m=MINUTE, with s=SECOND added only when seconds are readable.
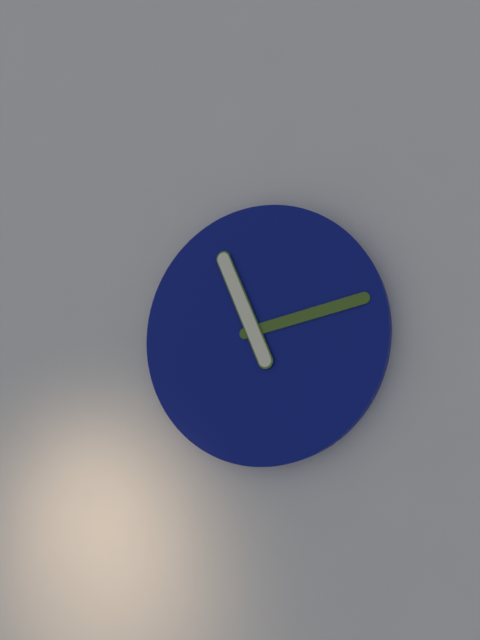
h=11 m=13
